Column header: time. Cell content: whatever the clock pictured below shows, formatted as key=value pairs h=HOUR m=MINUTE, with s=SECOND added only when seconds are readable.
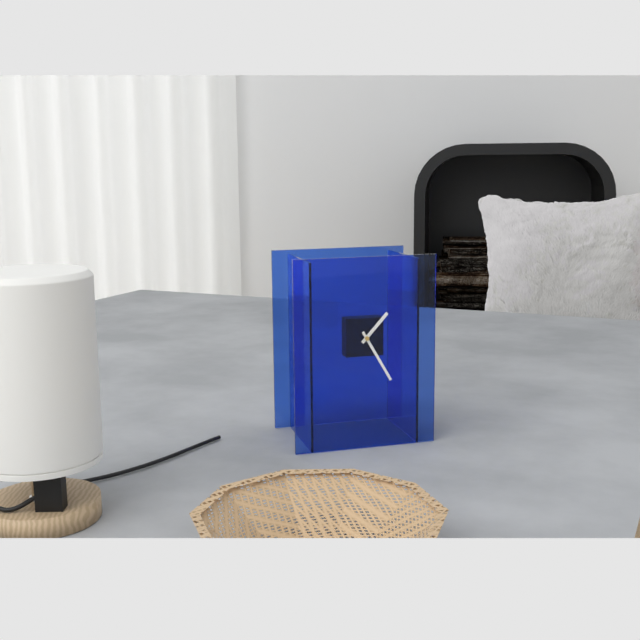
h=1 m=25
